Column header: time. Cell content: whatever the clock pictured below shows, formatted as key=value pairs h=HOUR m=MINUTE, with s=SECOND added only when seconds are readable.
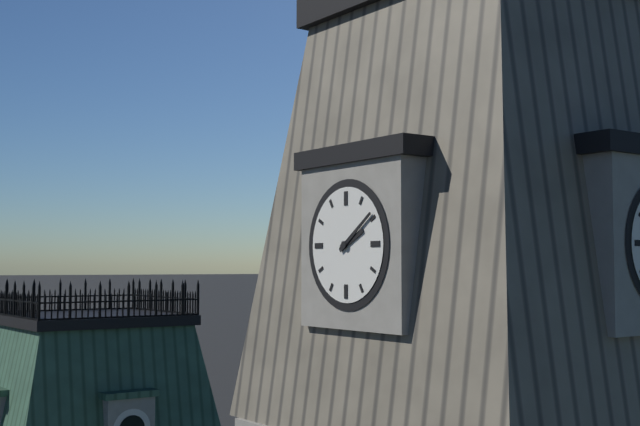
h=2 m=9
